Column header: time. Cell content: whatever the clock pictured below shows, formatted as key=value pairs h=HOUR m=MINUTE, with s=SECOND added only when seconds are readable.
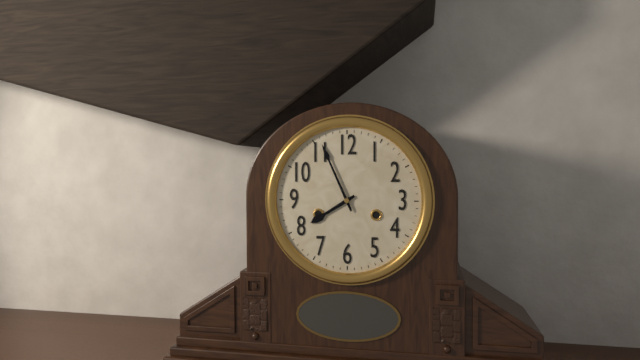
h=7 m=56
